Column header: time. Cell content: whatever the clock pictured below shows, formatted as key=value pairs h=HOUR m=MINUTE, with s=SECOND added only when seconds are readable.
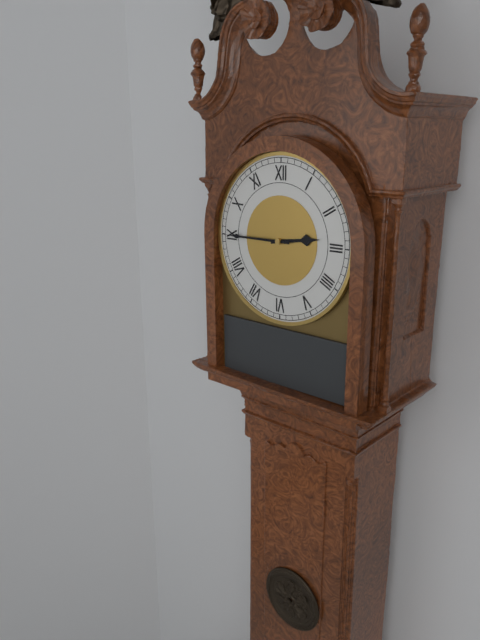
h=2 m=45
